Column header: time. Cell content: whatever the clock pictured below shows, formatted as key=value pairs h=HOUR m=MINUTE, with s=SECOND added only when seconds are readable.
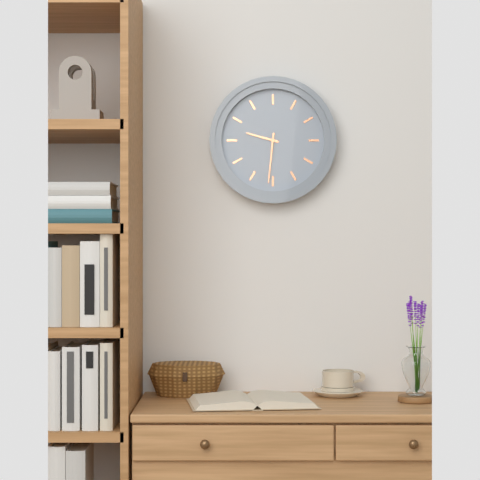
h=9 m=31
